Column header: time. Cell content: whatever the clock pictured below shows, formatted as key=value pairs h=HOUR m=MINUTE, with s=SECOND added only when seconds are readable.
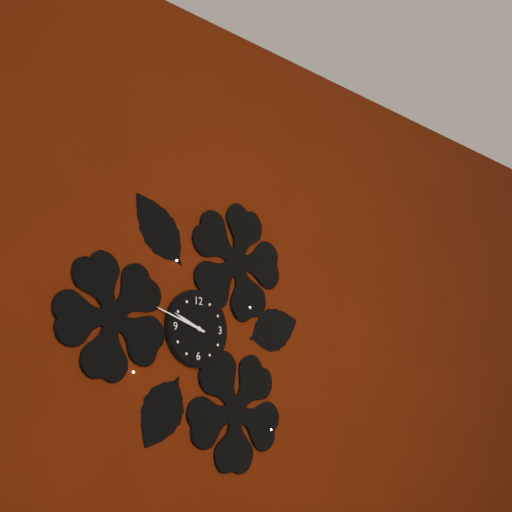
h=9 m=48
